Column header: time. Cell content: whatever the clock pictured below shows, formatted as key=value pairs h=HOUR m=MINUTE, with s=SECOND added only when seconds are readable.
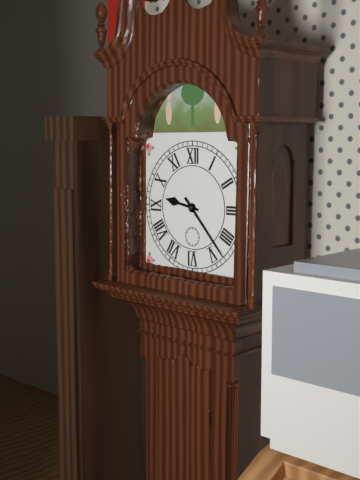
h=9 m=23
